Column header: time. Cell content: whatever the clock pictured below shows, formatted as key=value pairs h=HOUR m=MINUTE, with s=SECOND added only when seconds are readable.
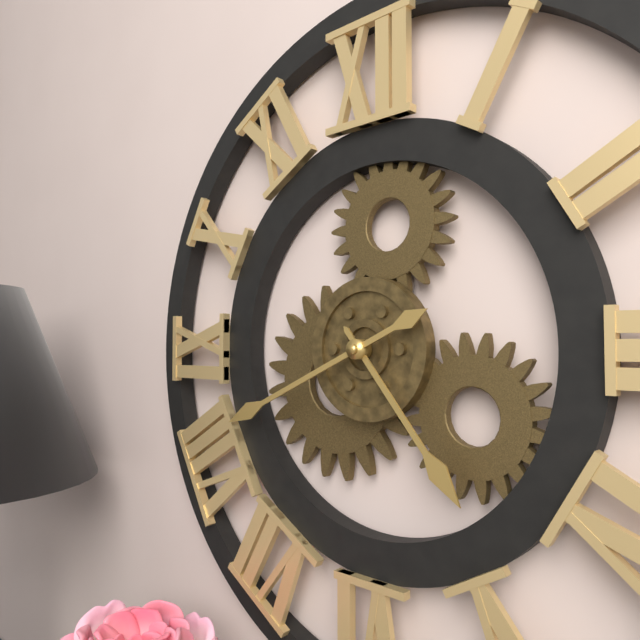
h=4 m=41
